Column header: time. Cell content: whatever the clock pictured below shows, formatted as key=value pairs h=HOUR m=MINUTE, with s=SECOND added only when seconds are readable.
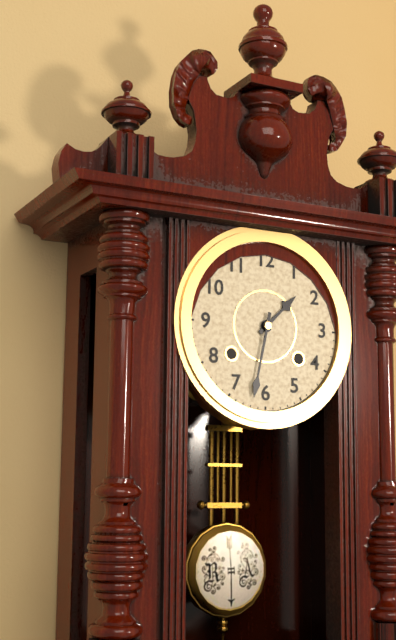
h=1 m=32
